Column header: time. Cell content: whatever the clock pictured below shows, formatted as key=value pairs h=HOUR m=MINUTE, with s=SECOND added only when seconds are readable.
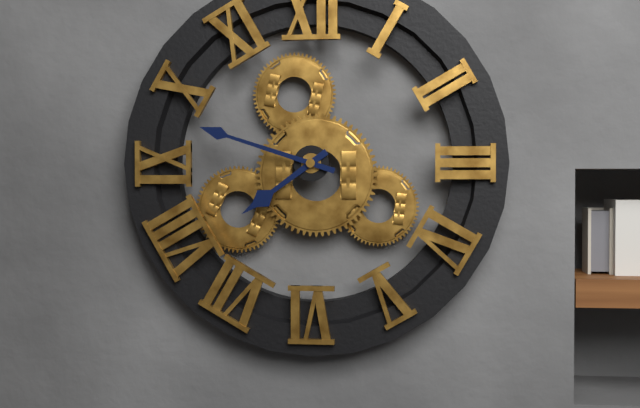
h=7 m=48
